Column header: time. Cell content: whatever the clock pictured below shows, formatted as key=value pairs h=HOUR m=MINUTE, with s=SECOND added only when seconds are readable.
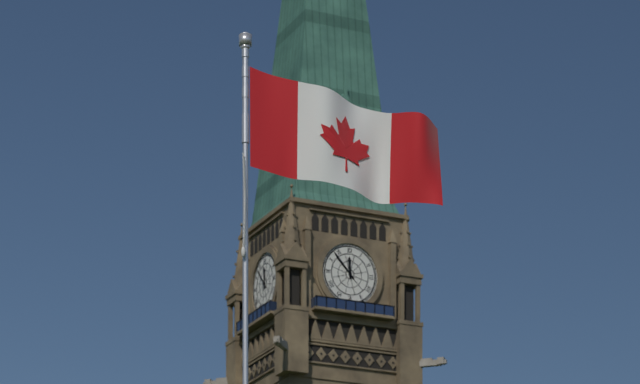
h=11 m=53
